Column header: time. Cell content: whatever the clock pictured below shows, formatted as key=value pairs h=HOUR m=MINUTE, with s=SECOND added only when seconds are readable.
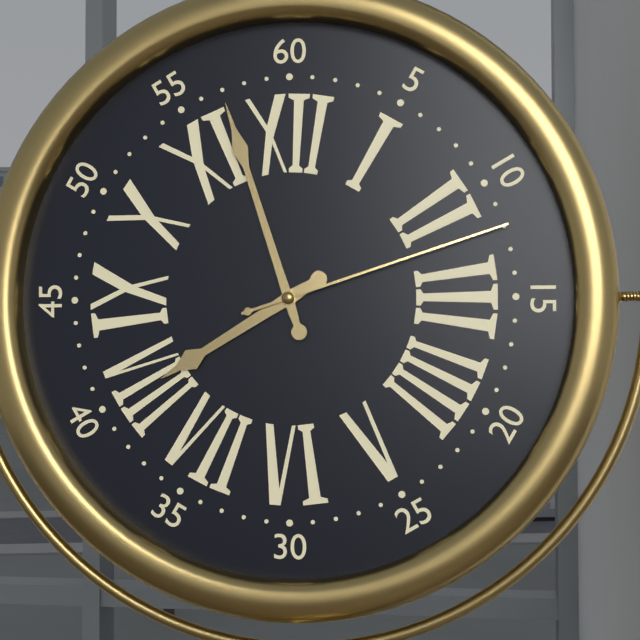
h=7 m=57 s=12
